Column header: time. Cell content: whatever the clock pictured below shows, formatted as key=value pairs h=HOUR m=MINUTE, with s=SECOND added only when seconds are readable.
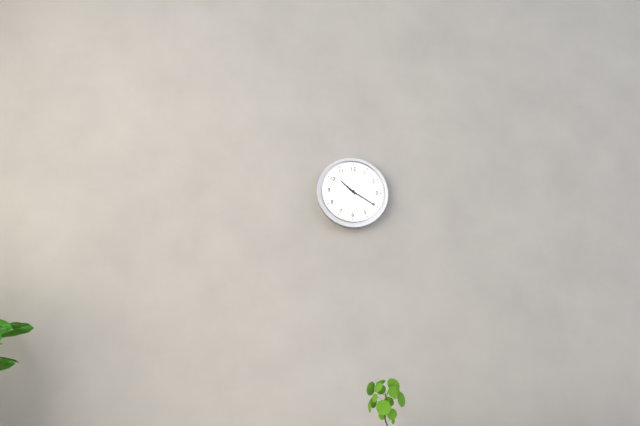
h=10 m=20
